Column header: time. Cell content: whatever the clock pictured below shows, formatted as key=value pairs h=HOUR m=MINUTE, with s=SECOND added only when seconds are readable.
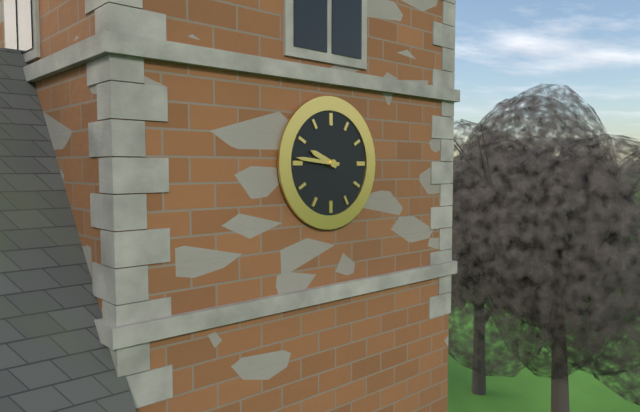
h=9 m=46
